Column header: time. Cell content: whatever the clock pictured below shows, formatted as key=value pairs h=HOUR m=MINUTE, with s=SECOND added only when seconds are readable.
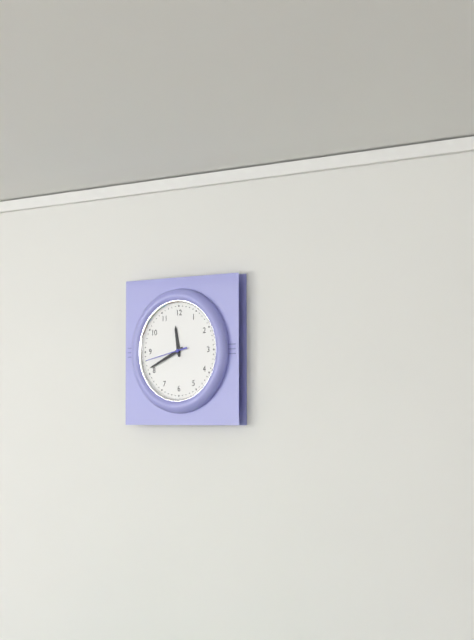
h=11 m=41 s=43
